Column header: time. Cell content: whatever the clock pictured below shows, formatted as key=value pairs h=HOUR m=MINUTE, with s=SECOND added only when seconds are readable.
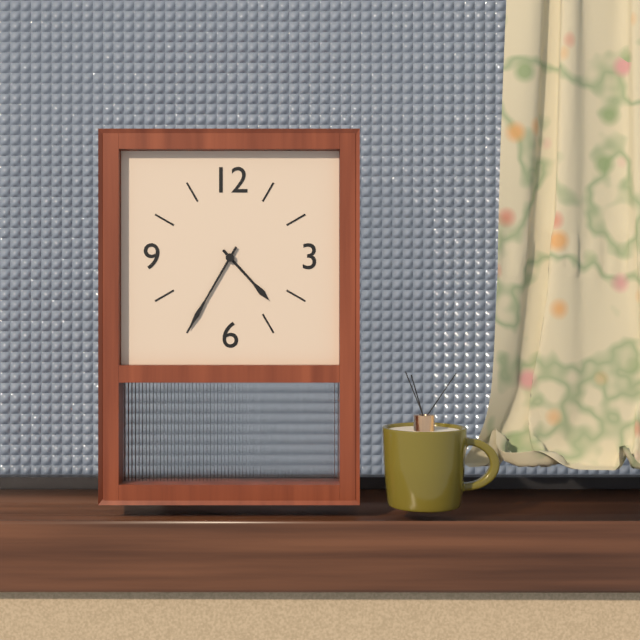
h=4 m=35
